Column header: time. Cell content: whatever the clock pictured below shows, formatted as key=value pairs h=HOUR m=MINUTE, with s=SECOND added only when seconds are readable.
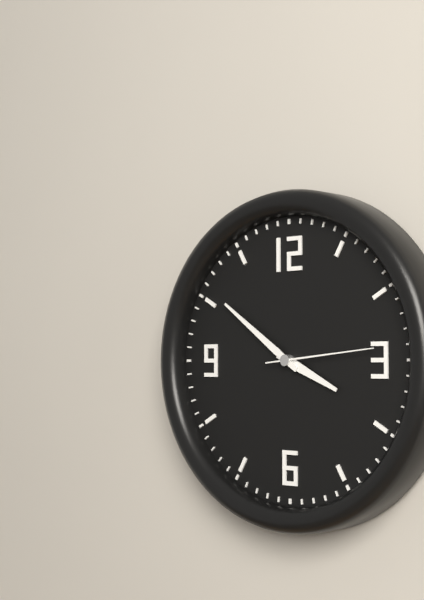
h=3 m=51 s=14
